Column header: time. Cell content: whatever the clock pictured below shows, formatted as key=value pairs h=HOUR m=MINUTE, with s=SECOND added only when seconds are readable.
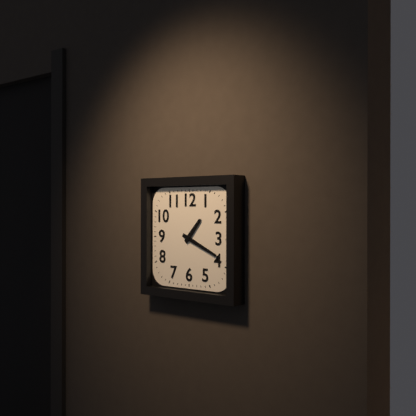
h=1 m=19
